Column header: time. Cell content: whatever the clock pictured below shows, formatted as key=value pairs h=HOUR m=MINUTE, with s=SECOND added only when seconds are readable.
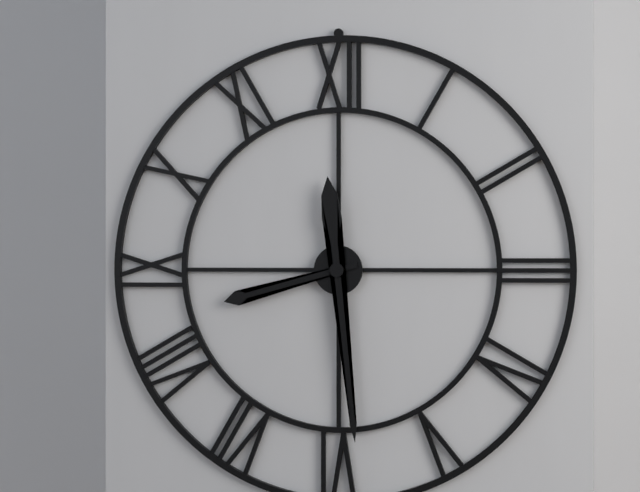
h=8 m=29
